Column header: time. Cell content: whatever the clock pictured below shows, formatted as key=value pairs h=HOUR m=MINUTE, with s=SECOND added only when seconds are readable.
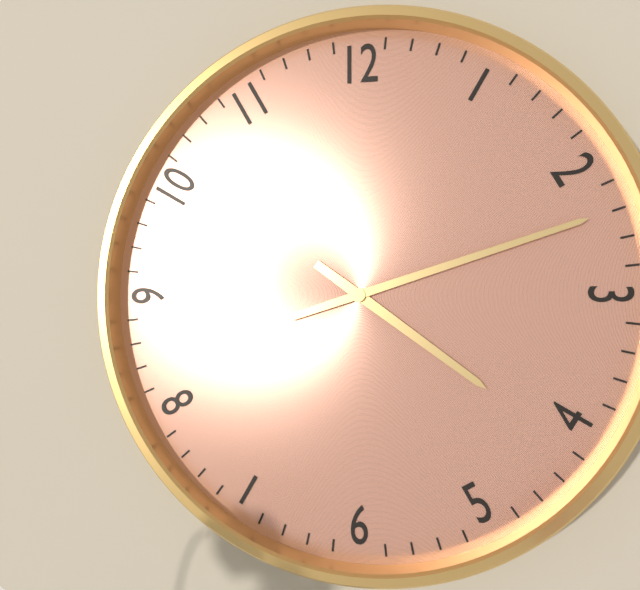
h=4 m=12
